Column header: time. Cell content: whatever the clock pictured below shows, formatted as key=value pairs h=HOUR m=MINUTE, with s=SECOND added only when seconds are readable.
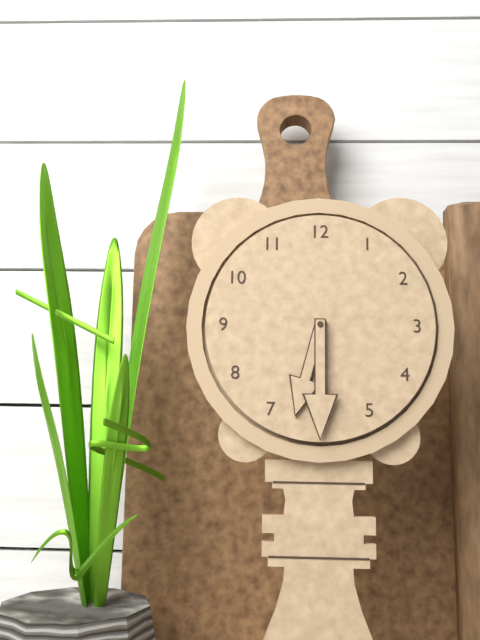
h=6 m=30
